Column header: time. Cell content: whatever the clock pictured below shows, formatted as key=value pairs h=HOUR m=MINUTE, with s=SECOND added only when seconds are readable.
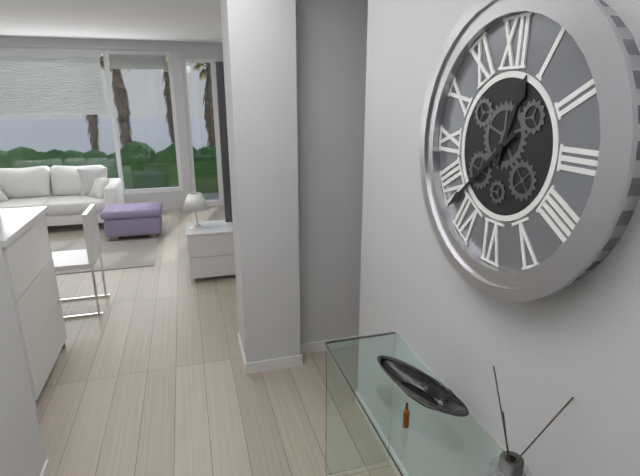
h=12 m=38
